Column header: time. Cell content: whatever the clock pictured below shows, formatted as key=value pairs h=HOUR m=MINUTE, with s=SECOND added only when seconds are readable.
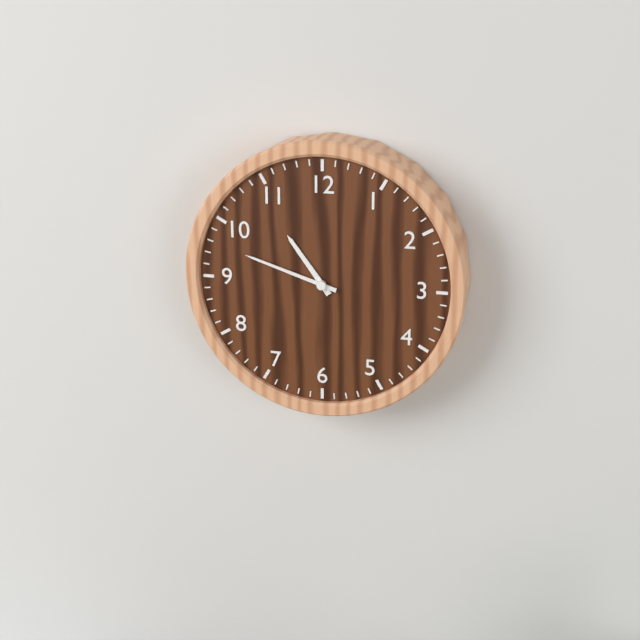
h=10 m=48
